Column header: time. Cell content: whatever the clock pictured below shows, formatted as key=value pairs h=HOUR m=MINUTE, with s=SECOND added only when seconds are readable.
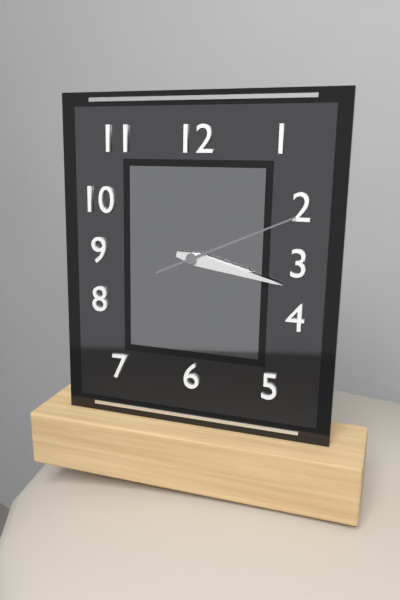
h=3 m=17 s=11
